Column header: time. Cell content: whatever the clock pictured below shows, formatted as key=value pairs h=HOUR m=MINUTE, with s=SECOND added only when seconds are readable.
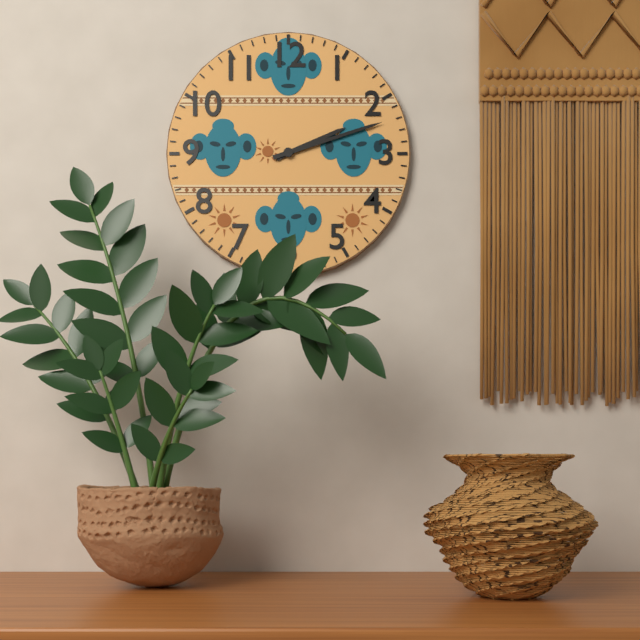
h=2 m=12
